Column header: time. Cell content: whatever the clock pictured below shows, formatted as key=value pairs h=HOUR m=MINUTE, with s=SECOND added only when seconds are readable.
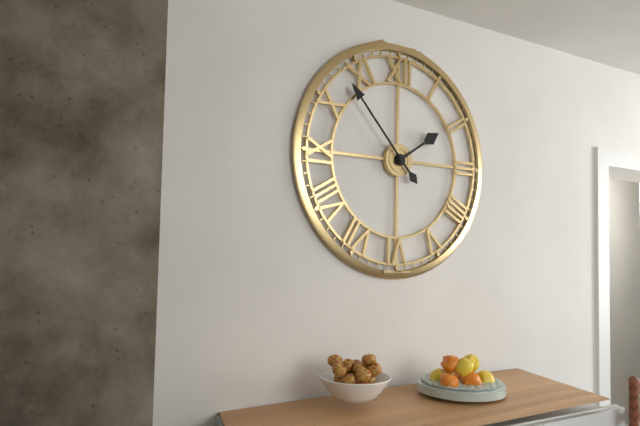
h=1 m=53
